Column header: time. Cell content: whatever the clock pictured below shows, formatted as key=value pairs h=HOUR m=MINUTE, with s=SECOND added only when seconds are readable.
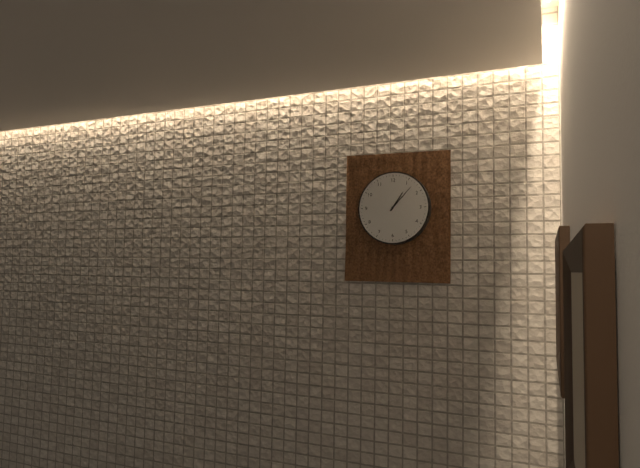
h=1 m=7
